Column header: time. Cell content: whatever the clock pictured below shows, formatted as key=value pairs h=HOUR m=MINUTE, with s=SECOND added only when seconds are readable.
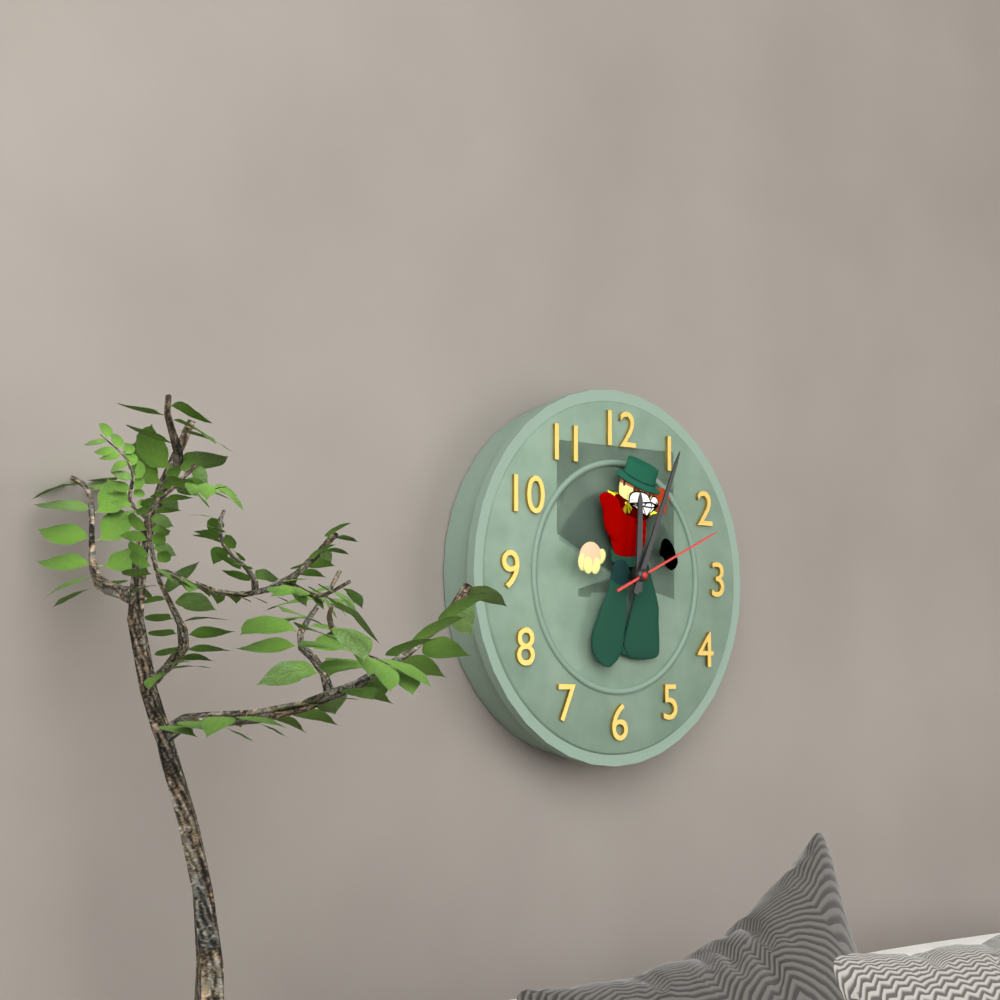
h=12 m=4 s=11
